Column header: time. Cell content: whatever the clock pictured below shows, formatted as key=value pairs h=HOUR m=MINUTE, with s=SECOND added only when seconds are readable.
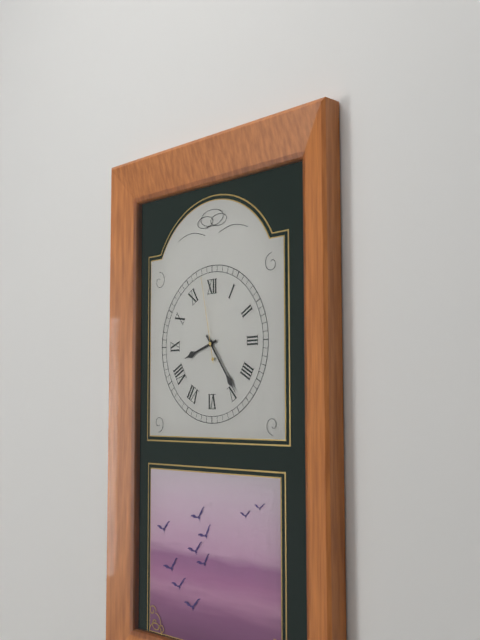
h=8 m=24 s=58
